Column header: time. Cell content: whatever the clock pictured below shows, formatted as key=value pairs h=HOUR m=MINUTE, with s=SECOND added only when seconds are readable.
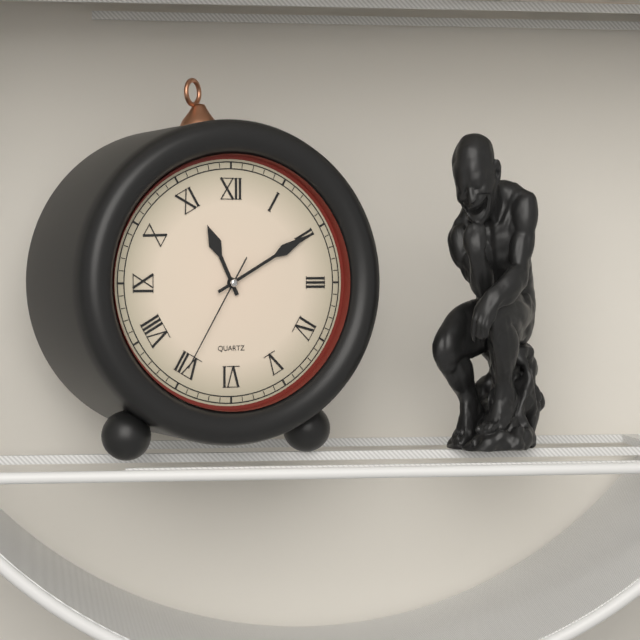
h=11 m=10 s=35
